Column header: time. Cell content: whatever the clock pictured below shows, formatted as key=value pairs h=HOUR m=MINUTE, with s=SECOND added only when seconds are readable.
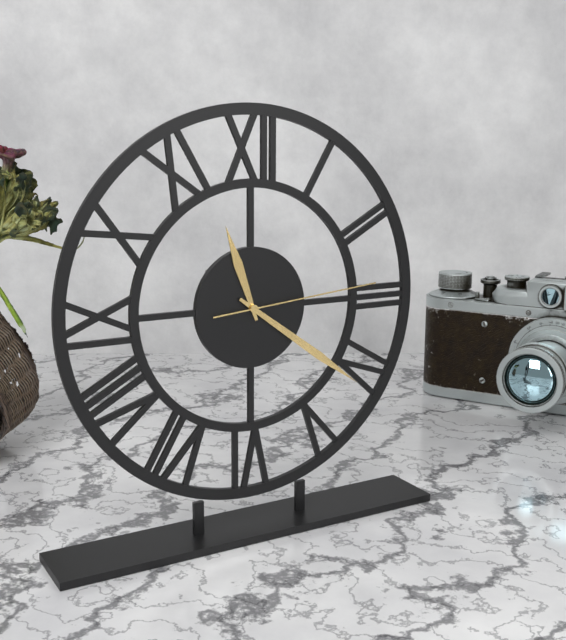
h=11 m=21 s=14
